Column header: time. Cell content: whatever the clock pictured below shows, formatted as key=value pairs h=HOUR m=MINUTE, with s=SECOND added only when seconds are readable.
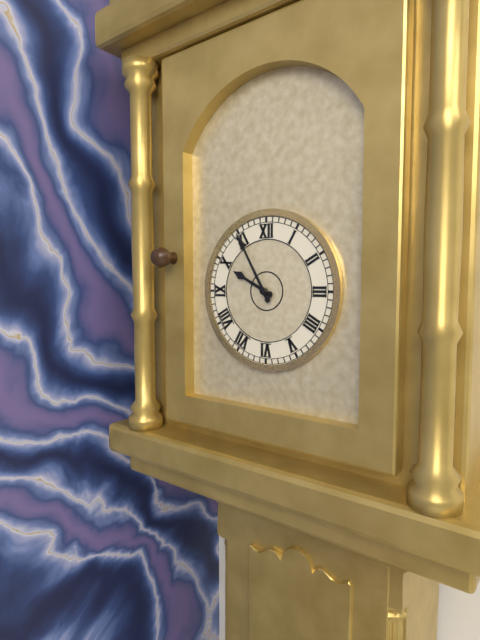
h=9 m=55
